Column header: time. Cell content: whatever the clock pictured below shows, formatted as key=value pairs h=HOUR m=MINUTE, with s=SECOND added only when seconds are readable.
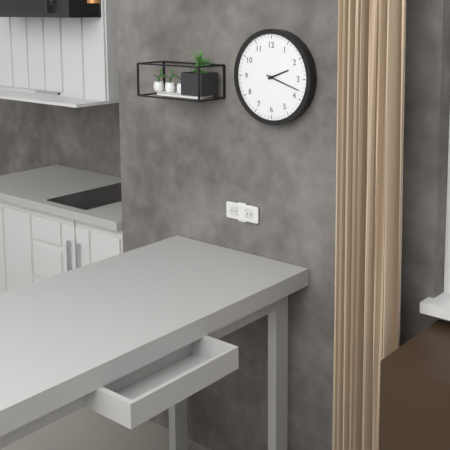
h=2 m=18
